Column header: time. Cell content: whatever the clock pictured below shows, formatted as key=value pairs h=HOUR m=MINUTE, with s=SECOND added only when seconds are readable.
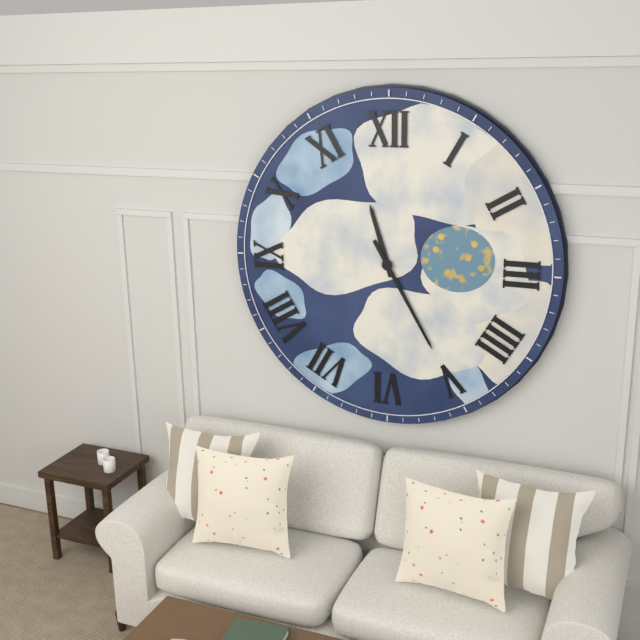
h=11 m=25
